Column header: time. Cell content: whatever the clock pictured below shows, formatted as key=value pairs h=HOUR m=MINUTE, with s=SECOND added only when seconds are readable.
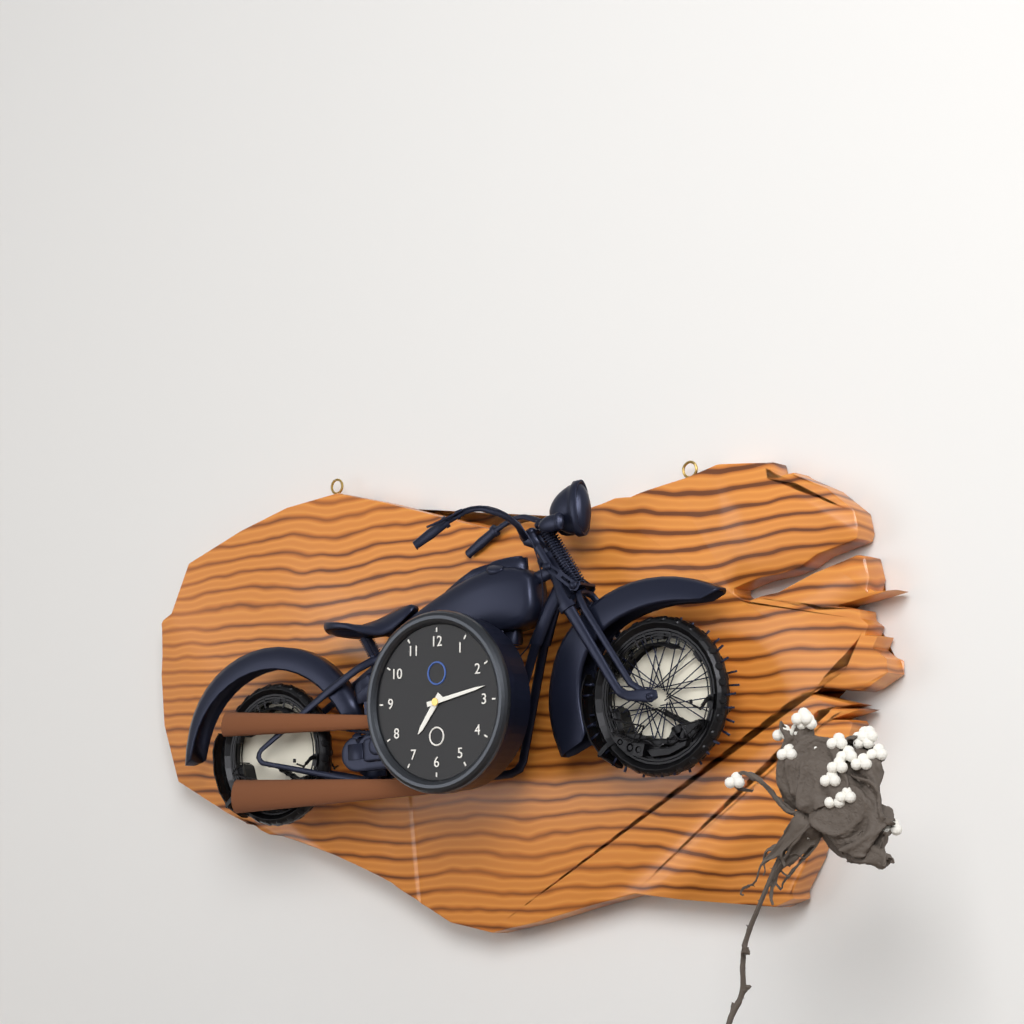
h=7 m=13
